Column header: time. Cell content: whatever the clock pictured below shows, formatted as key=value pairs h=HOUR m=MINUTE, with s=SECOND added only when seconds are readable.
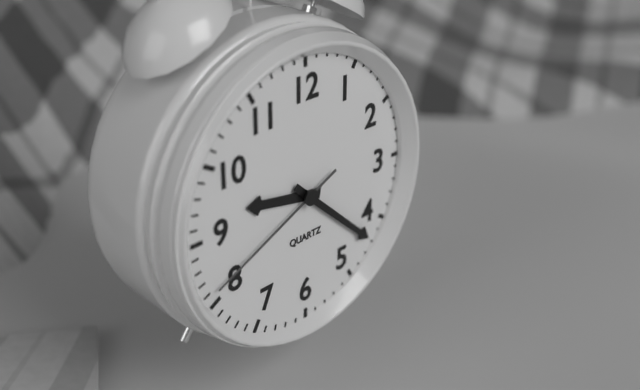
h=9 m=22 s=41
